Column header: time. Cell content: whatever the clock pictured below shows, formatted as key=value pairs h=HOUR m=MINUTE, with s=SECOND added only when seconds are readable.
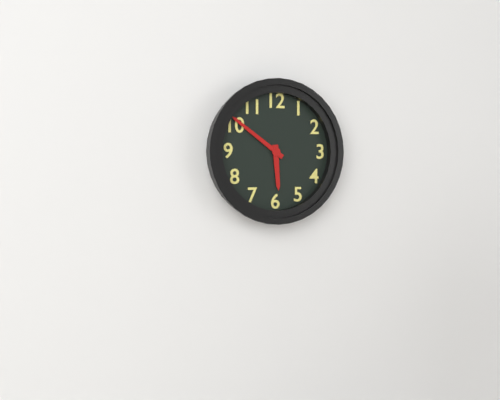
h=5 m=51
